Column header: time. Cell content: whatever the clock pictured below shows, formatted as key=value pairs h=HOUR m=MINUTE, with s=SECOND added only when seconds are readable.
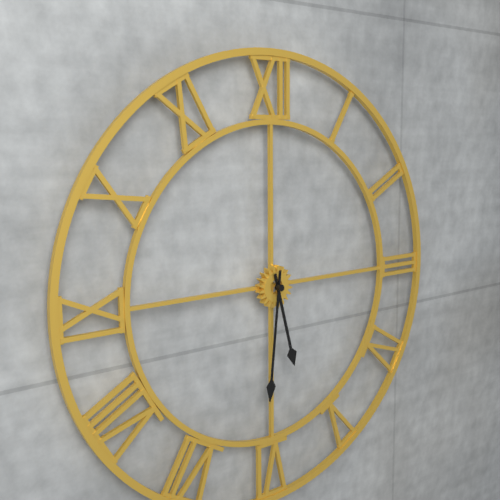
h=5 m=31
